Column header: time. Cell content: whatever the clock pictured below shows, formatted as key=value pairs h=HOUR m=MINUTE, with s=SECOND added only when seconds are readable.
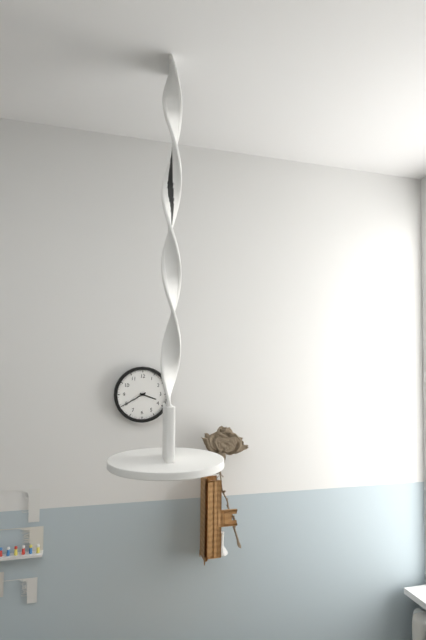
h=3 m=40
